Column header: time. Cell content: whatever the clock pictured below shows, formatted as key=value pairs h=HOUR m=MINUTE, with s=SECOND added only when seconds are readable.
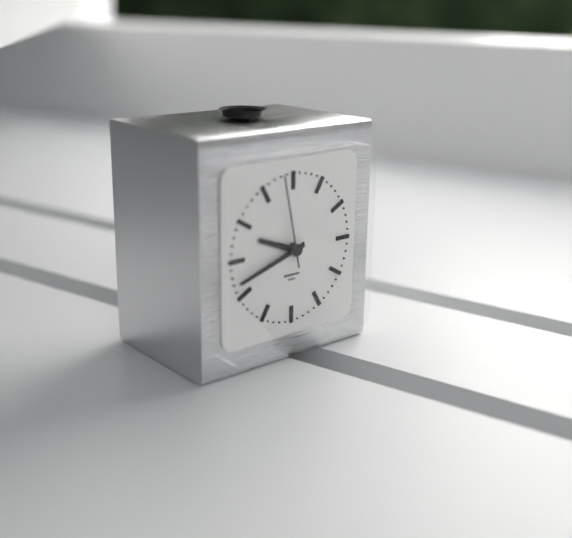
h=9 m=42 s=58
